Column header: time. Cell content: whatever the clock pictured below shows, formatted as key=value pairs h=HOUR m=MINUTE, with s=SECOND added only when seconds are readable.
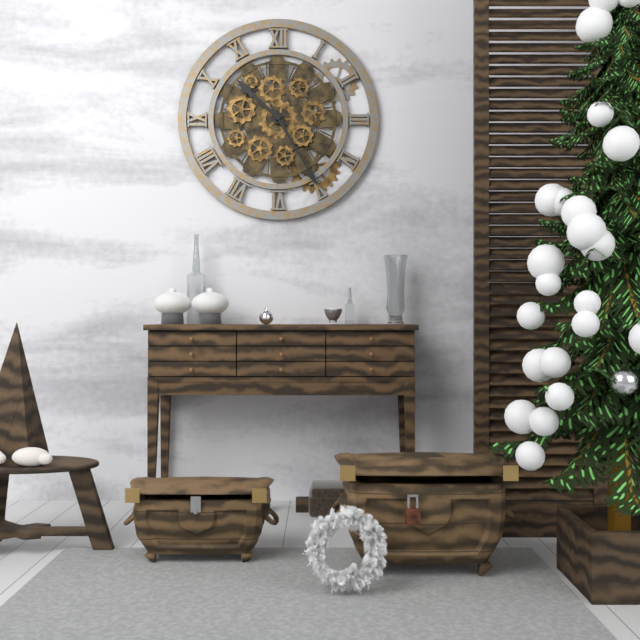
h=10 m=25
